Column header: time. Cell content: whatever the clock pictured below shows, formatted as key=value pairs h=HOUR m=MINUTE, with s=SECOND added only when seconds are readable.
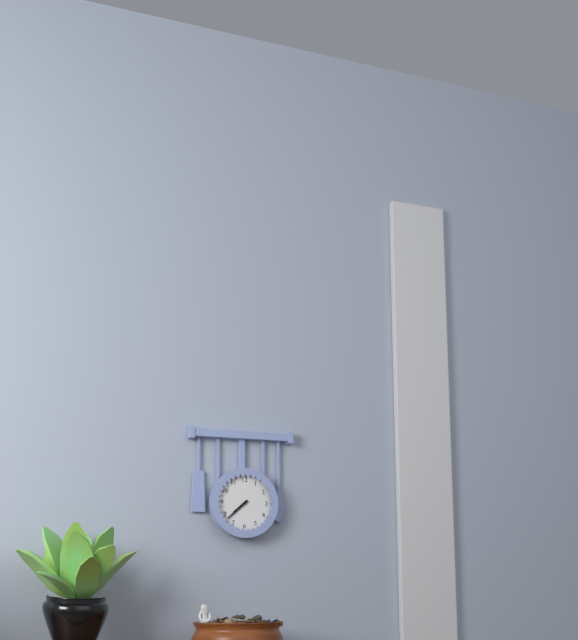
h=7 m=38
